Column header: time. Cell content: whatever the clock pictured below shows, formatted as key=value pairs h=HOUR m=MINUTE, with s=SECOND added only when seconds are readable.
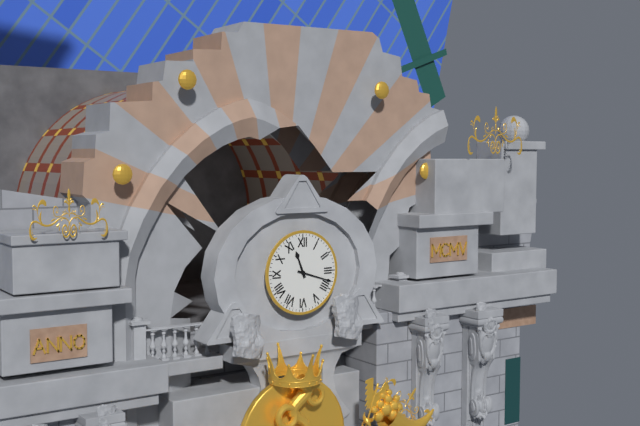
h=11 m=18
